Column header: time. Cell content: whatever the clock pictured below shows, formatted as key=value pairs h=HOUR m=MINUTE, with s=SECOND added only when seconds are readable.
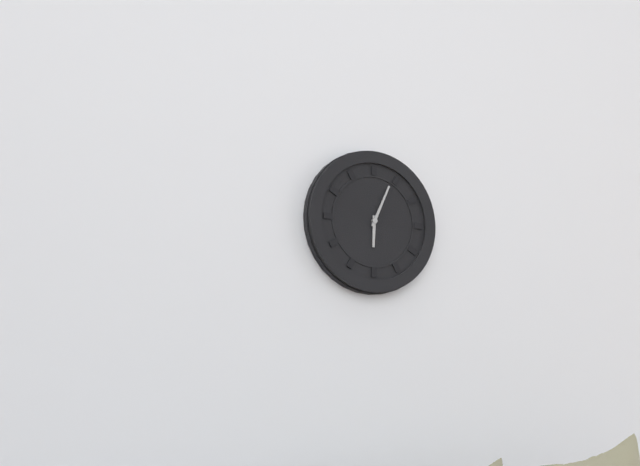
h=6 m=4
